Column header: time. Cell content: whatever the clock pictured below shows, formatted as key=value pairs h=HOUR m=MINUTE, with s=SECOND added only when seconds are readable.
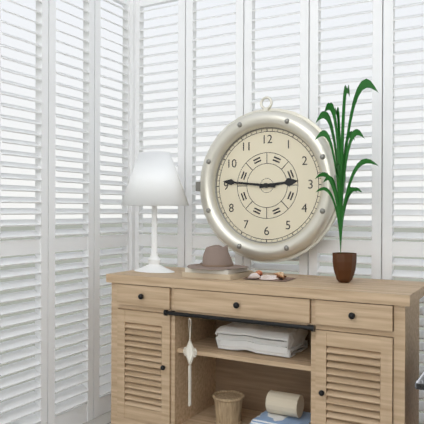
h=2 m=46
